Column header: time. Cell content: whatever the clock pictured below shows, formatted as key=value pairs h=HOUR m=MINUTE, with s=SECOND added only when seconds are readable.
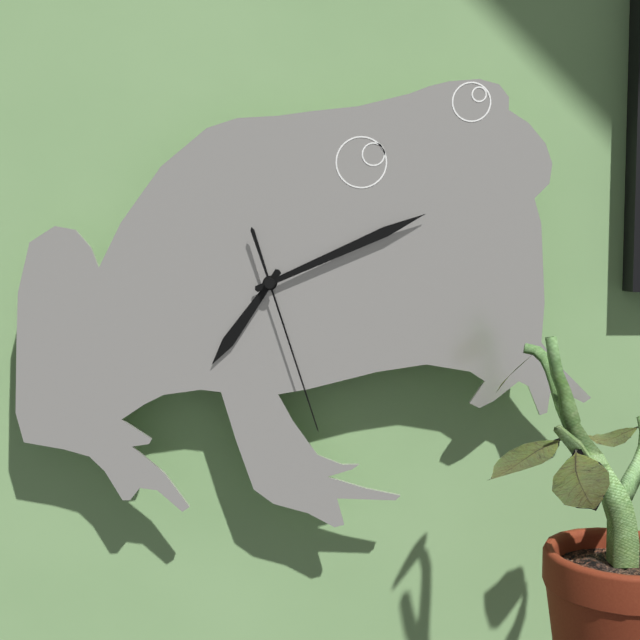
h=7 m=11 s=27
